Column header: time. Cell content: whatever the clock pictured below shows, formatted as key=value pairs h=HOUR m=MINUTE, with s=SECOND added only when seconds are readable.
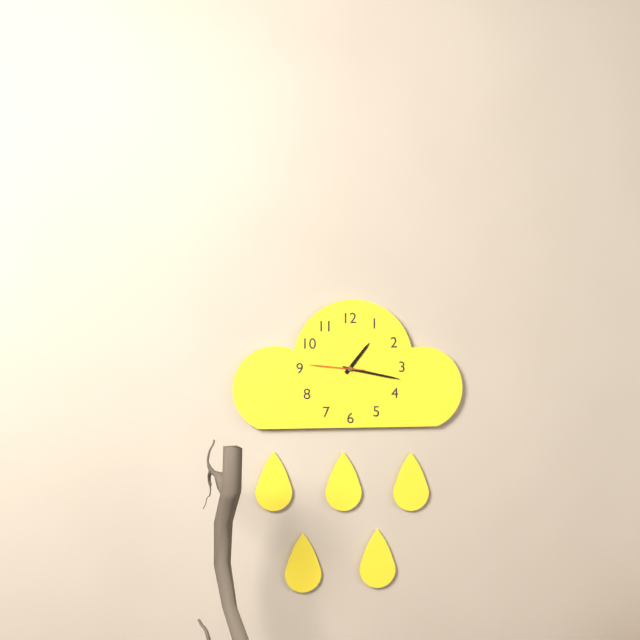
h=1 m=17 s=46
